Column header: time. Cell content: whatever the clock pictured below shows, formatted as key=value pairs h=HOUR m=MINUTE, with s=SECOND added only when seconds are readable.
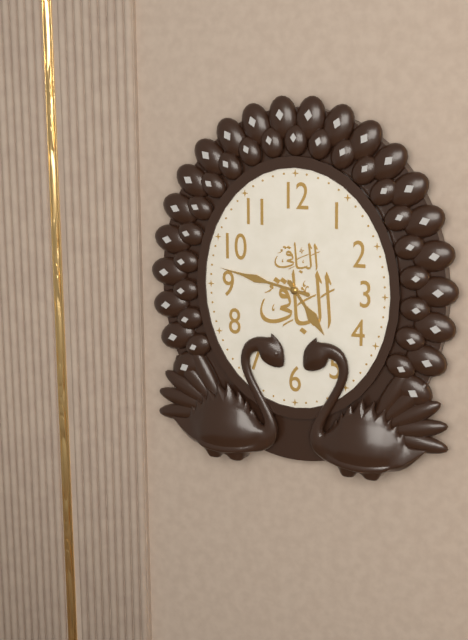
h=4 m=47
